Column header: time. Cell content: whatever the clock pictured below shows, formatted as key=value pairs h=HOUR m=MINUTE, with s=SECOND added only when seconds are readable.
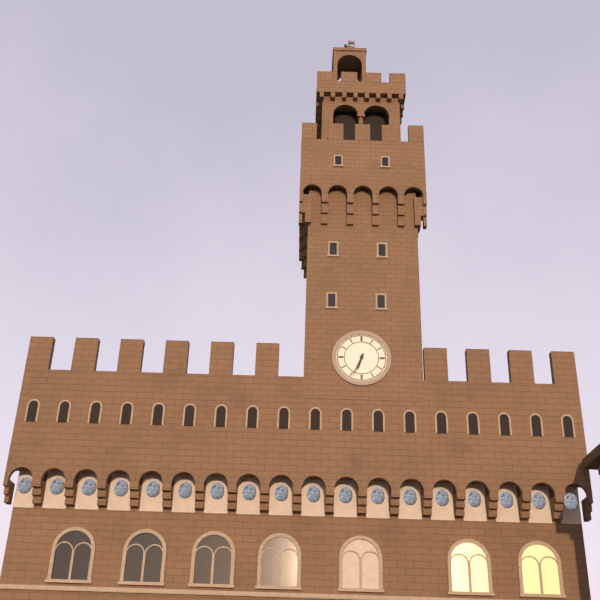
h=6 m=34
